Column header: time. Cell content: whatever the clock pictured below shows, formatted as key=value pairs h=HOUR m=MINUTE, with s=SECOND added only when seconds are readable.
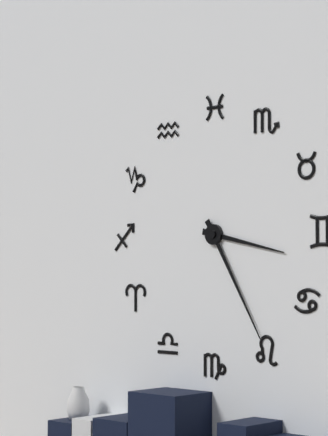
h=3 m=25
